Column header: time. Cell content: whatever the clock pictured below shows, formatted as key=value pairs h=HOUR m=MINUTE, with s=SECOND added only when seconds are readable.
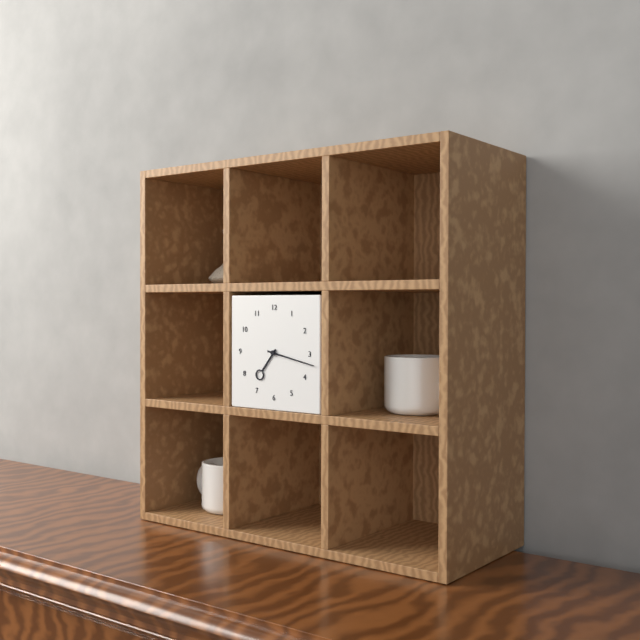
h=7 m=17
